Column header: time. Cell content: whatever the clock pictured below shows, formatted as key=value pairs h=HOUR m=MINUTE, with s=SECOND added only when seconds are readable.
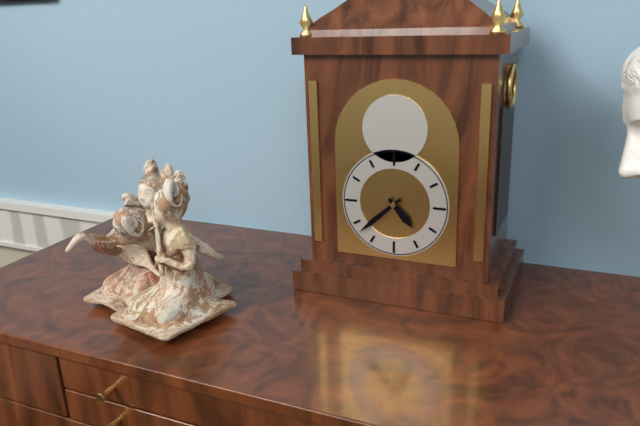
h=4 m=38
